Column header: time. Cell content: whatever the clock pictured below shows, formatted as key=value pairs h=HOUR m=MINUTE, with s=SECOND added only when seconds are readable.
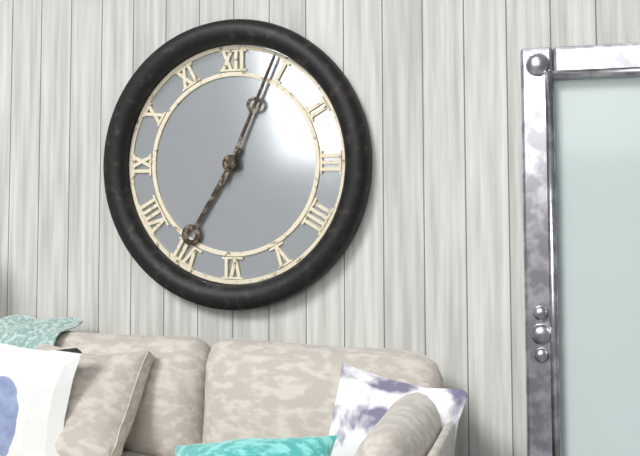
h=7 m=4
